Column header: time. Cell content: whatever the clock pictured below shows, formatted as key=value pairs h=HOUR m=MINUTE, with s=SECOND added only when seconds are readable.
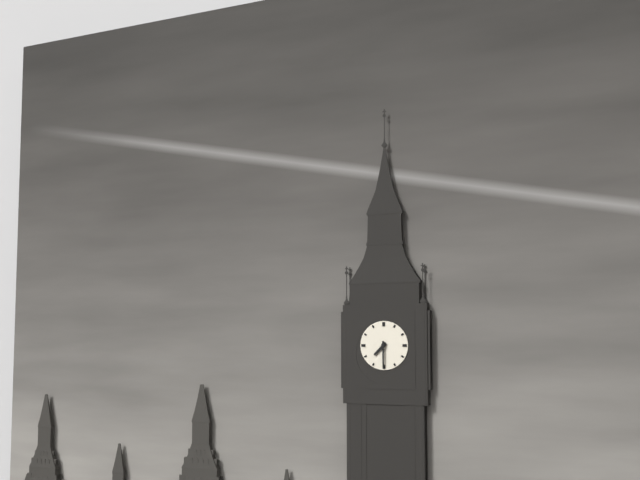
h=7 m=30
